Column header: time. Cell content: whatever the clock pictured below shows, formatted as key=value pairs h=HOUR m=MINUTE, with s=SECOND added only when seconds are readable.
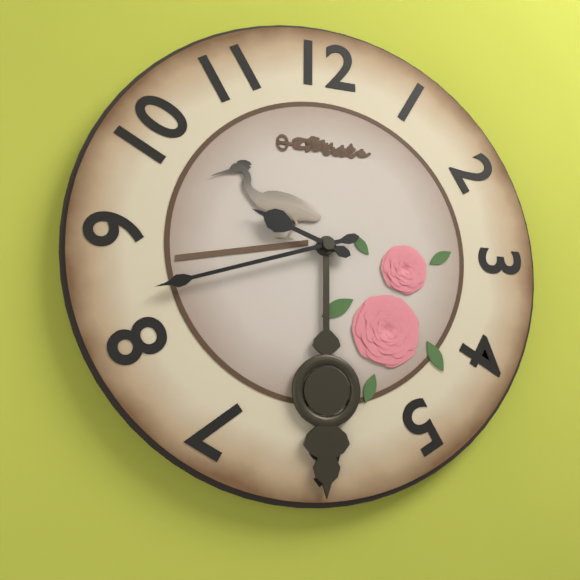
h=9 m=42
